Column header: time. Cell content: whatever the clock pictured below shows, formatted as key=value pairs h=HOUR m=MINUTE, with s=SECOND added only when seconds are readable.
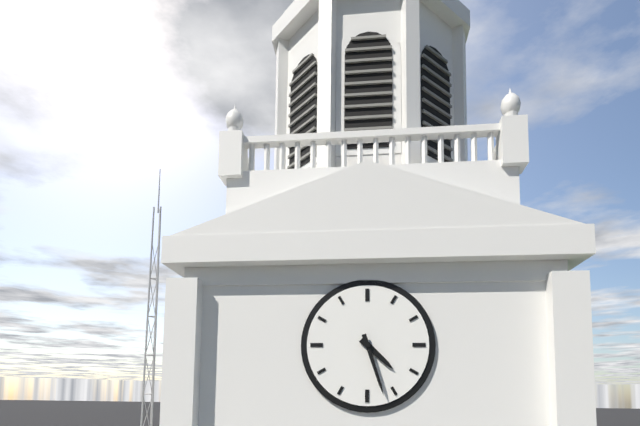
h=4 m=27
